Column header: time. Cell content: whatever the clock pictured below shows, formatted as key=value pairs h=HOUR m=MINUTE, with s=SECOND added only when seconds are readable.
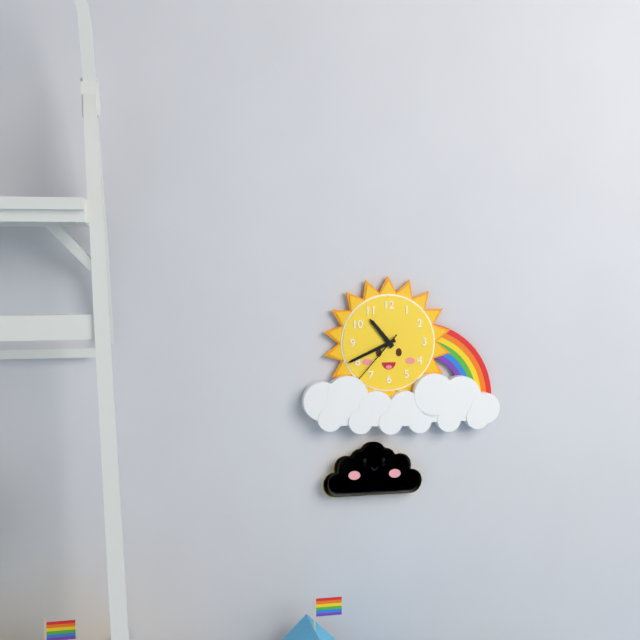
h=10 m=41 s=37
